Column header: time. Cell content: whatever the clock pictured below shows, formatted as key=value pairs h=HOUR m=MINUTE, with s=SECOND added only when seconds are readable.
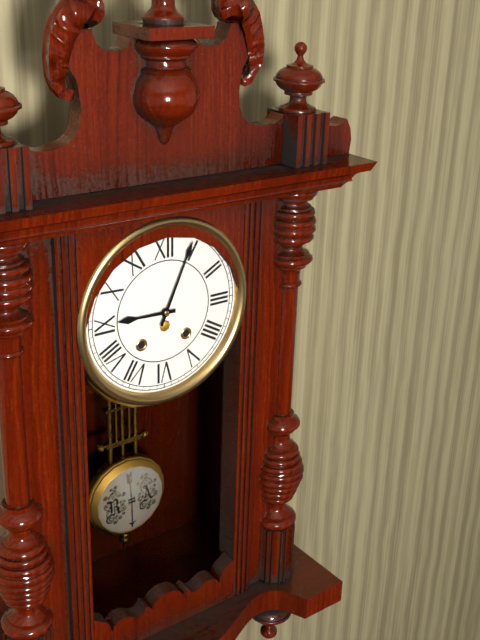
h=9 m=4
